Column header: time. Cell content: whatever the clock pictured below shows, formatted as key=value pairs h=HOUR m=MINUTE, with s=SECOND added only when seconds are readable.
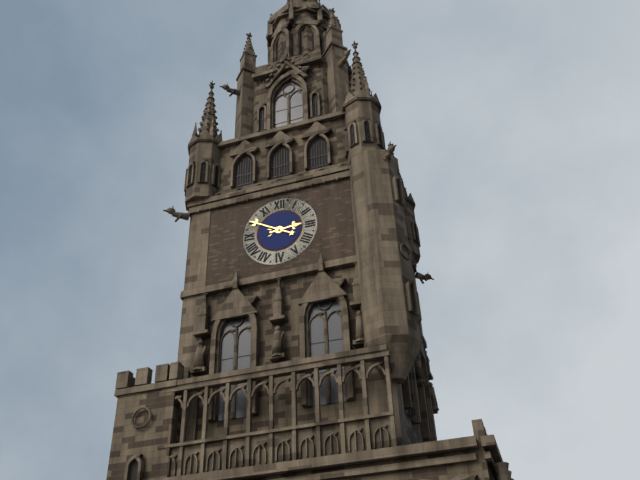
h=2 m=50
